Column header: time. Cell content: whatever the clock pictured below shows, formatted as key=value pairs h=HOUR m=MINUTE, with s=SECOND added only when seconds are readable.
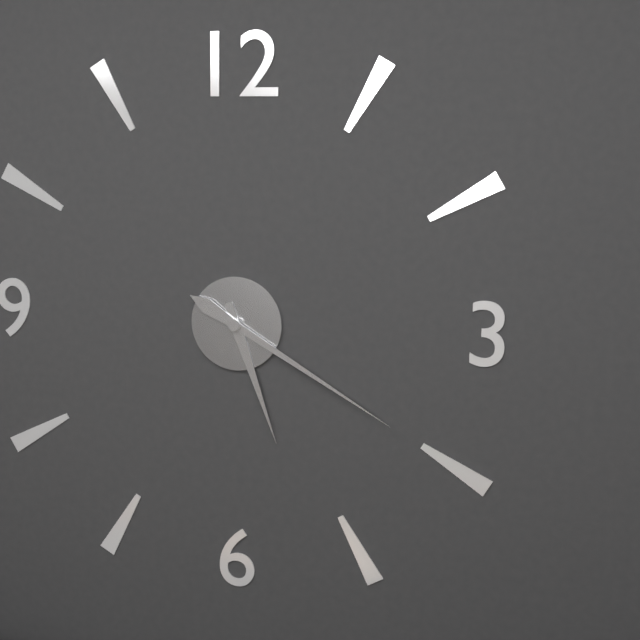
h=5 m=20
